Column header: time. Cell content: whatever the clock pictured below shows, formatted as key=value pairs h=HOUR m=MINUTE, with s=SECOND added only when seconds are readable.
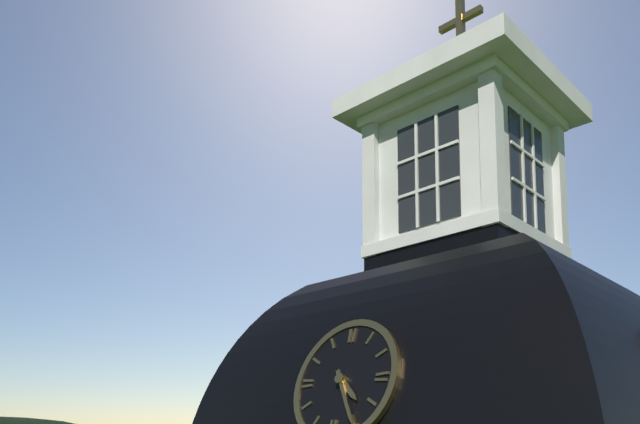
h=4 m=25
